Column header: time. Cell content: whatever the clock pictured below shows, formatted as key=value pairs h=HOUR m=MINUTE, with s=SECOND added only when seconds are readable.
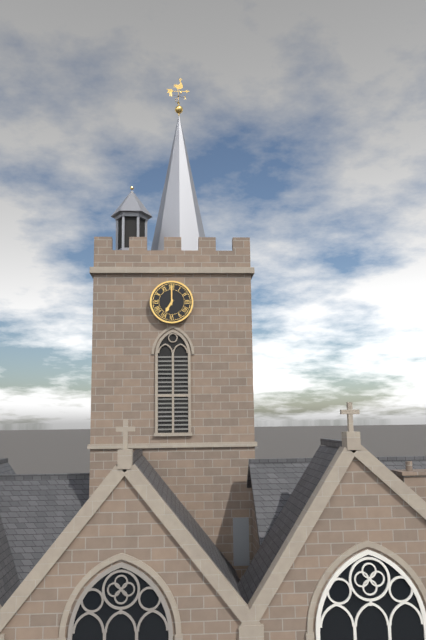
h=7 m=0
